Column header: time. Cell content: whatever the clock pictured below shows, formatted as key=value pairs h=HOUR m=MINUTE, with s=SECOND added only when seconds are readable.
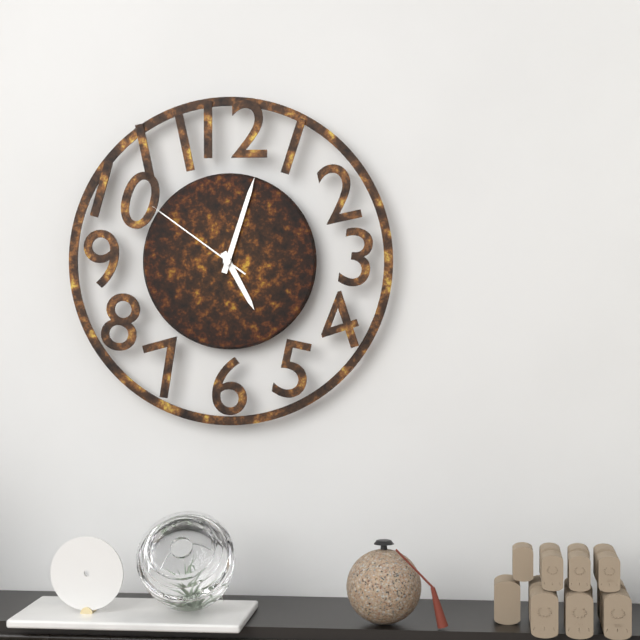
h=5 m=3 s=51
